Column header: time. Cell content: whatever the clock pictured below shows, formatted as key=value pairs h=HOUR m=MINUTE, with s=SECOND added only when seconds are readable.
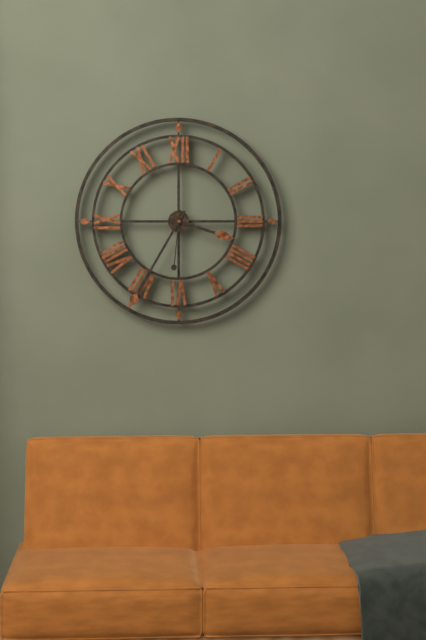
h=3 m=35 s=31
